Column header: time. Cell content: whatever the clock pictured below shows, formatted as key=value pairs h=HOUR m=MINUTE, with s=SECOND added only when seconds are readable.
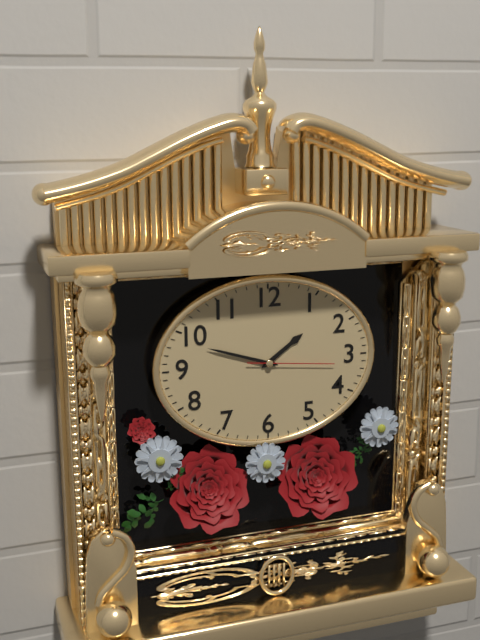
h=1 m=48 s=16
